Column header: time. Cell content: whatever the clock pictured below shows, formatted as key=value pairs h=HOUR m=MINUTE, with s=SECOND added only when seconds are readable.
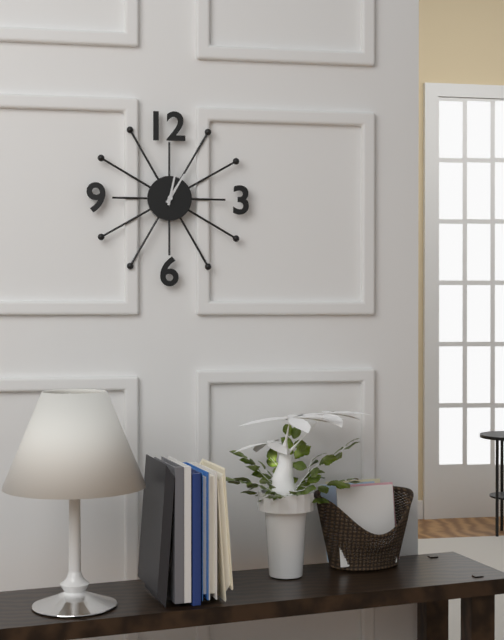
h=1 m=2
